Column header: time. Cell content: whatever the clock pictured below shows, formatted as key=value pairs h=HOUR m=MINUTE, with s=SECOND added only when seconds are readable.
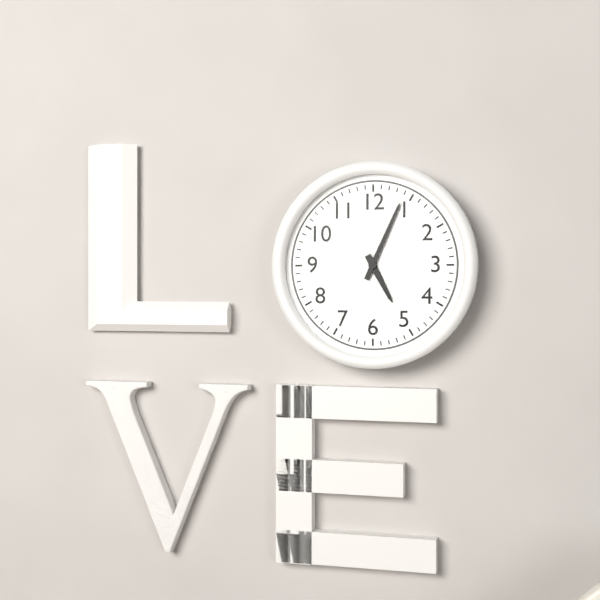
h=5 m=4
